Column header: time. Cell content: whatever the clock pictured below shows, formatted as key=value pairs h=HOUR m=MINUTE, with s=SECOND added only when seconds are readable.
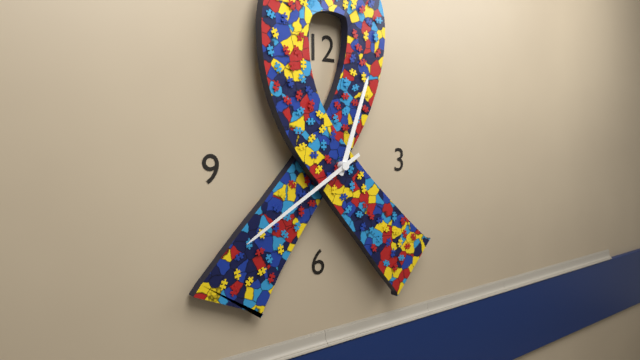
h=12 m=40
